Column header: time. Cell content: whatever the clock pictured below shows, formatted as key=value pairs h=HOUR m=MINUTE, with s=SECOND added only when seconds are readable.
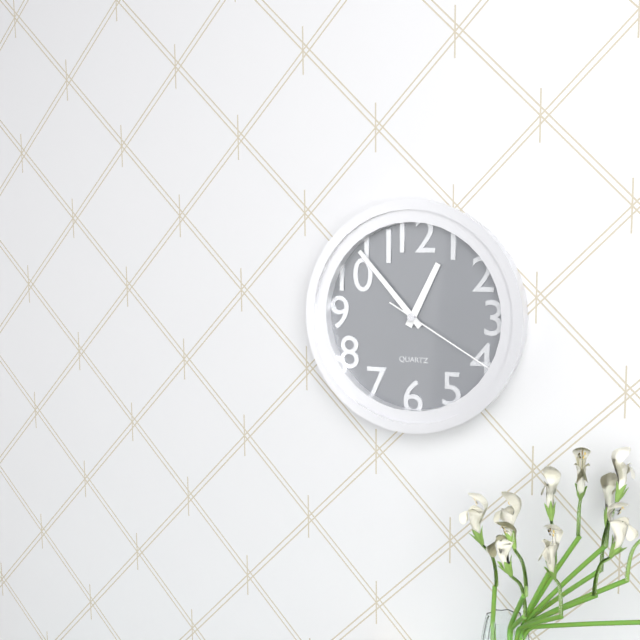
h=12 m=53 s=20
